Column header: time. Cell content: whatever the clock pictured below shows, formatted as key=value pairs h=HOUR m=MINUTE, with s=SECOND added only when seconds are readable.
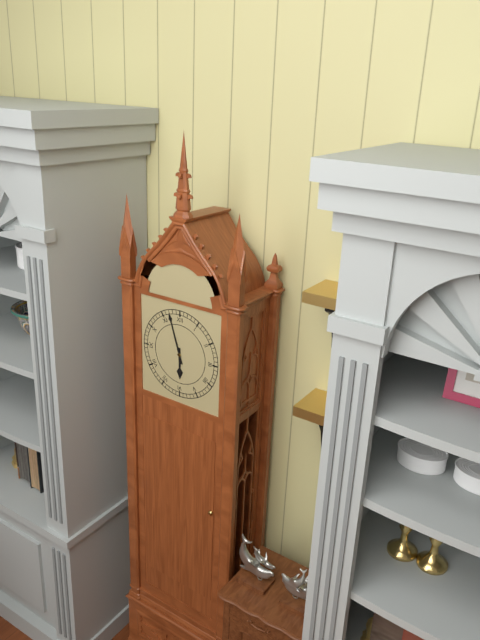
h=5 m=57
